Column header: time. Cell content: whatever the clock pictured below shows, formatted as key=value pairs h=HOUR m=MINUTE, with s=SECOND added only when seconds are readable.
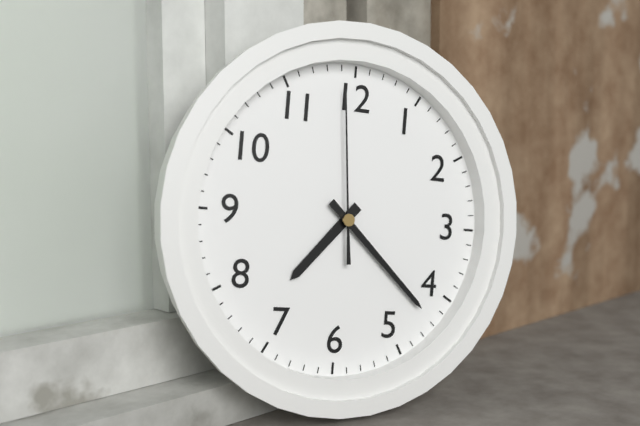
h=7 m=22 s=59
